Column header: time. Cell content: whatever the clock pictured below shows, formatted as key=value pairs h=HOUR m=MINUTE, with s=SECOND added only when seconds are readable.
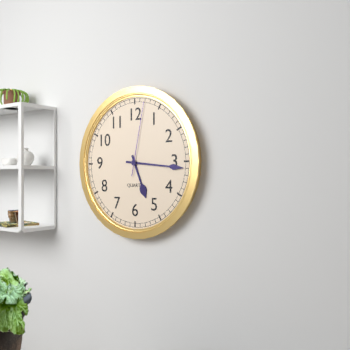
h=5 m=16 s=2
